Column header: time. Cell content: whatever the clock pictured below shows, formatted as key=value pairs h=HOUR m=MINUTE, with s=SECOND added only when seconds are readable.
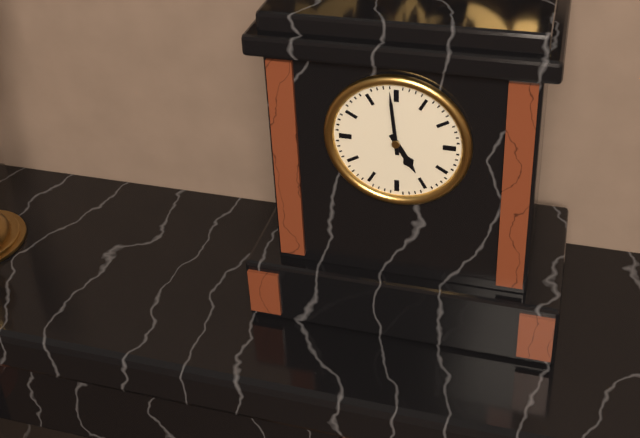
h=4 m=59
